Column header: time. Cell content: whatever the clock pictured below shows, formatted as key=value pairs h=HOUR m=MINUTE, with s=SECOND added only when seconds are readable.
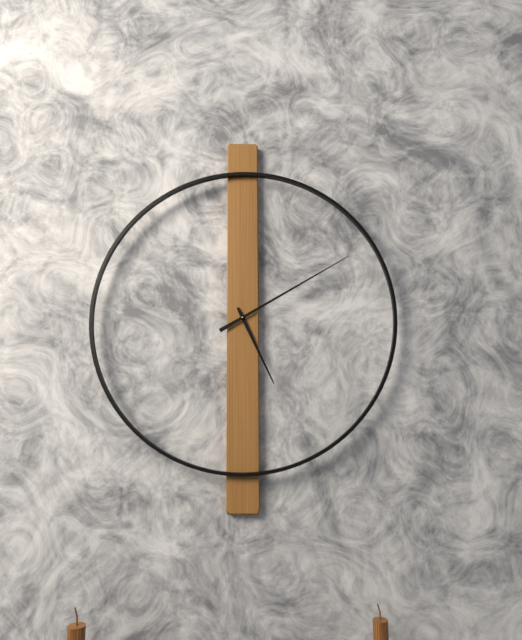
h=5 m=10
